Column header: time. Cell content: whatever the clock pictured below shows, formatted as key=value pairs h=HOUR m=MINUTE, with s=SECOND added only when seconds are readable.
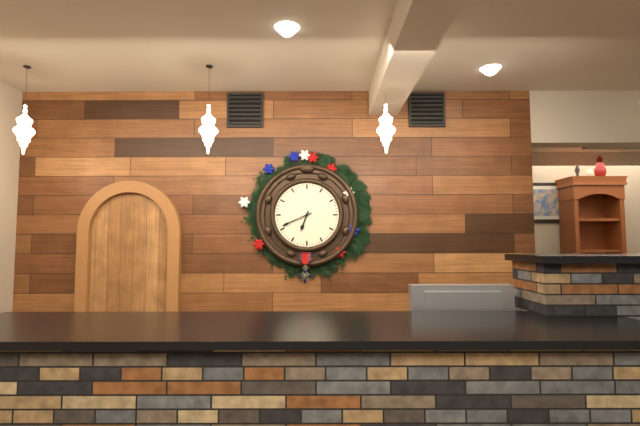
h=6 m=41
